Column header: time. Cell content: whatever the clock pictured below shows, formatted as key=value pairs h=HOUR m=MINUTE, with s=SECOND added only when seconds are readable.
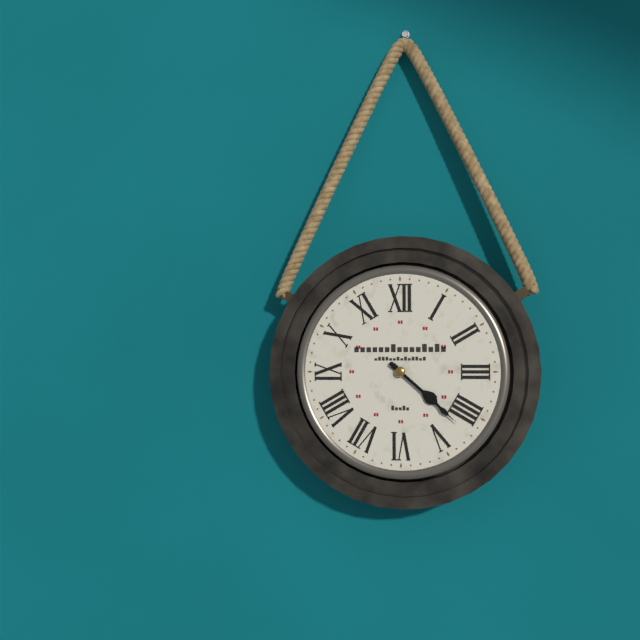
h=4 m=22
